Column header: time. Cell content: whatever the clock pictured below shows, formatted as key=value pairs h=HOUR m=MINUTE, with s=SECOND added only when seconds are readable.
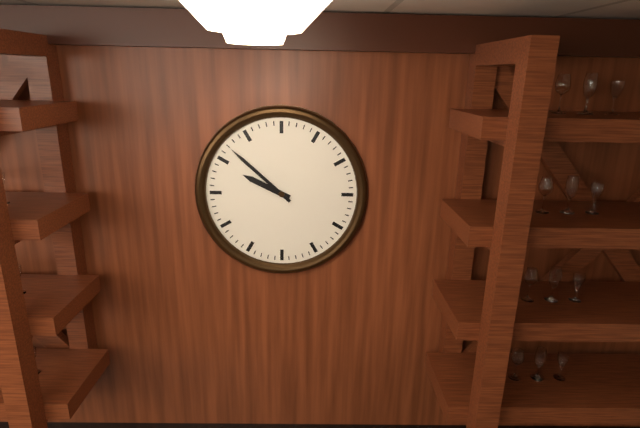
h=9 m=52
